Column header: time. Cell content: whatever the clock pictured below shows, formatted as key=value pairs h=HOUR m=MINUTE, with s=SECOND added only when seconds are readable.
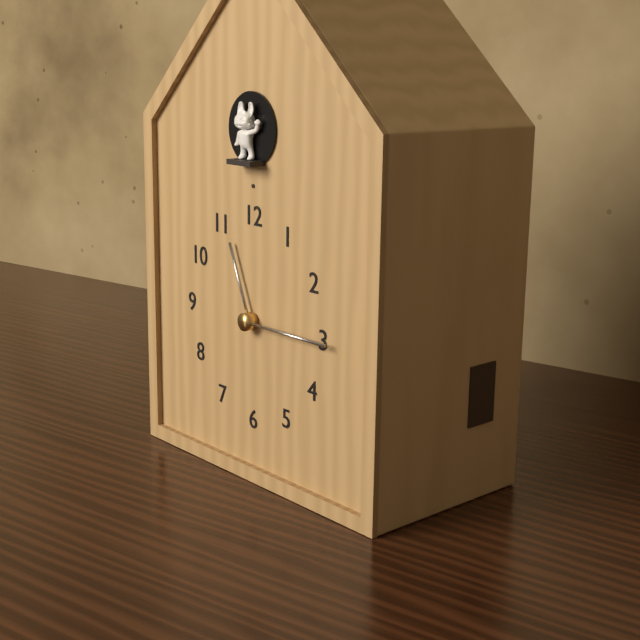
h=11 m=15
